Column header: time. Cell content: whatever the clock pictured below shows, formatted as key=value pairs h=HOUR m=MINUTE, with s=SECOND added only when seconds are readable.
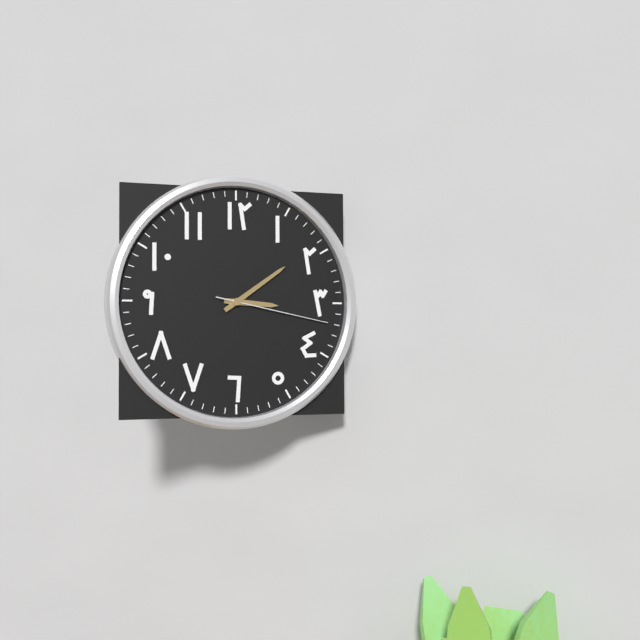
h=3 m=9 s=17
